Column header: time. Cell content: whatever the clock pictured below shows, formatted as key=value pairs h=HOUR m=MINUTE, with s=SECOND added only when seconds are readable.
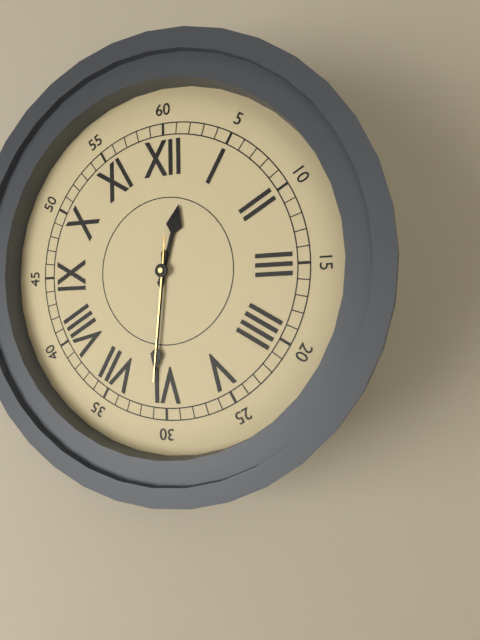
h=12 m=31 s=31
